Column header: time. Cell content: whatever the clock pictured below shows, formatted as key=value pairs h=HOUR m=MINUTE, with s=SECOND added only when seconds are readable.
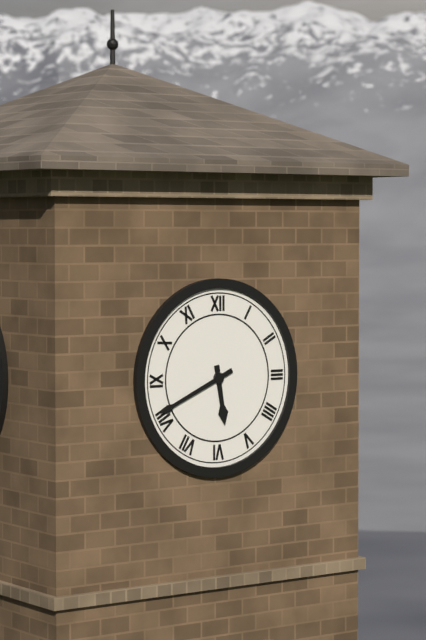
h=5 m=41
